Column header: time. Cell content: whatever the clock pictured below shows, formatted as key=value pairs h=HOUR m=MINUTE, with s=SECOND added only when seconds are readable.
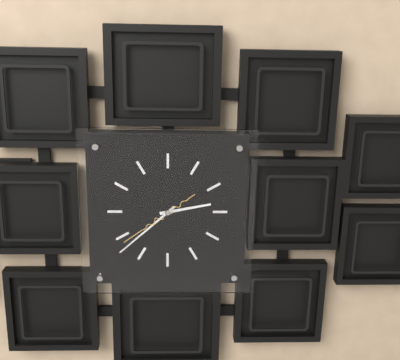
h=2 m=38 s=39
